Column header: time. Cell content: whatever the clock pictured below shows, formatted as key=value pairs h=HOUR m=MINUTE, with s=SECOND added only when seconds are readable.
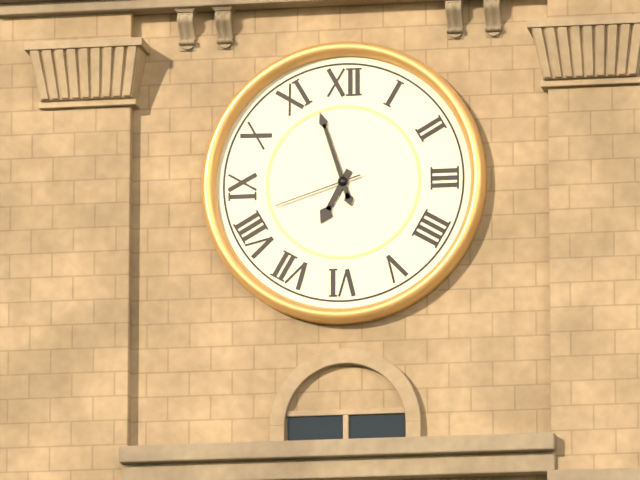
h=6 m=57 s=42
